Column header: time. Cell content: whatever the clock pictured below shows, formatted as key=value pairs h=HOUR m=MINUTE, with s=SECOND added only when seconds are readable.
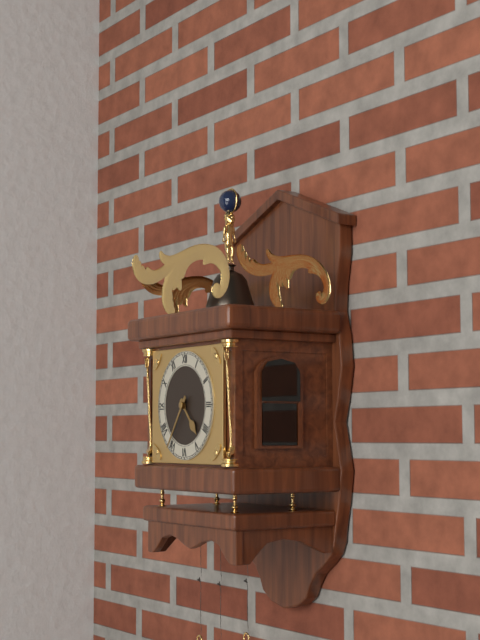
h=4 m=36
